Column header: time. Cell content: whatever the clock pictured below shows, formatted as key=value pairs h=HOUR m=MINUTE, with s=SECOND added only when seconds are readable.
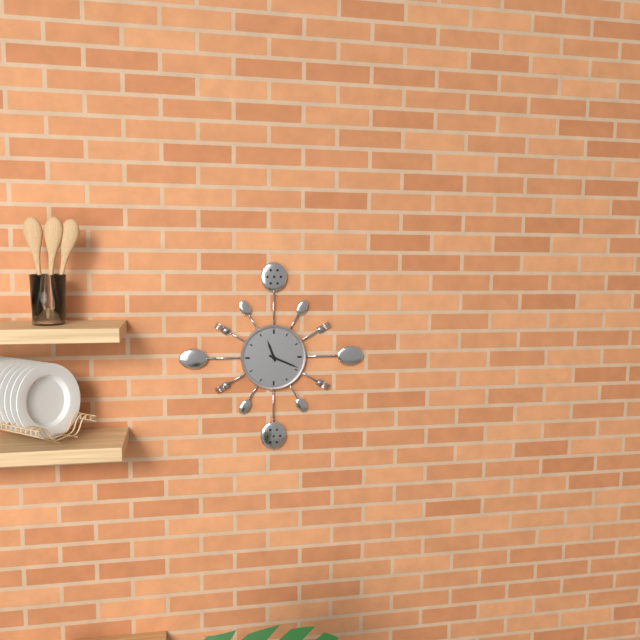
h=11 m=19
